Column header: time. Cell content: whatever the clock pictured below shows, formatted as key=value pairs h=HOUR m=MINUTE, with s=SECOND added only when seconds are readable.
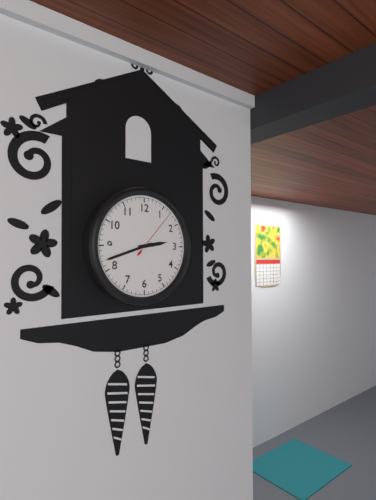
h=2 m=42 s=7
